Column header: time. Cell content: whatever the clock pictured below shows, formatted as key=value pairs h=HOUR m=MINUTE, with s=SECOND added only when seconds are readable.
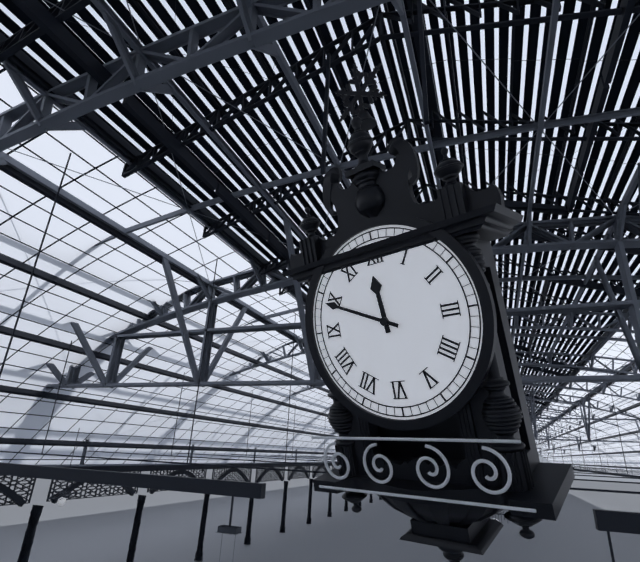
h=11 m=49
